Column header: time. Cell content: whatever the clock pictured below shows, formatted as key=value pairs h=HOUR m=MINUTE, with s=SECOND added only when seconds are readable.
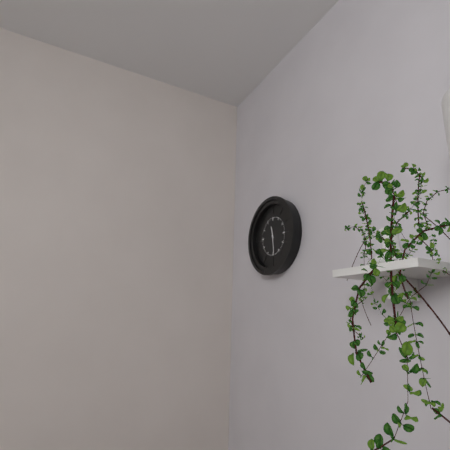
h=11 m=29
